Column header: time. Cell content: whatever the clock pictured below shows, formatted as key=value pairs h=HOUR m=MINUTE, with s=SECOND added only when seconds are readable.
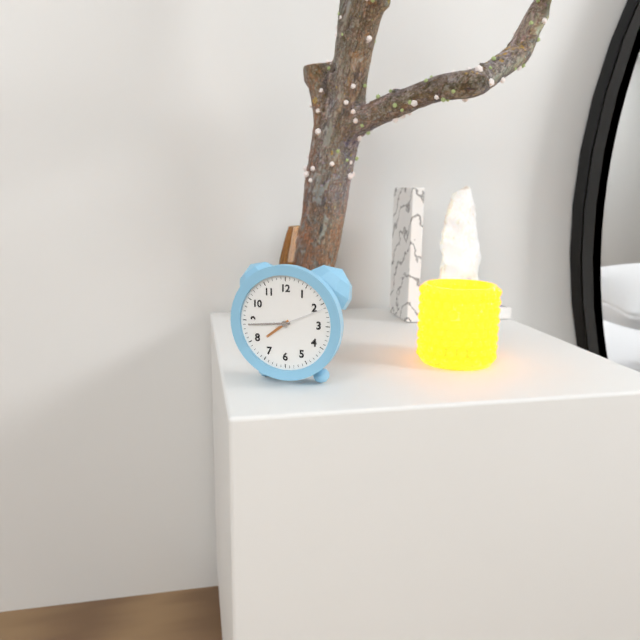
h=7 m=44 s=11
